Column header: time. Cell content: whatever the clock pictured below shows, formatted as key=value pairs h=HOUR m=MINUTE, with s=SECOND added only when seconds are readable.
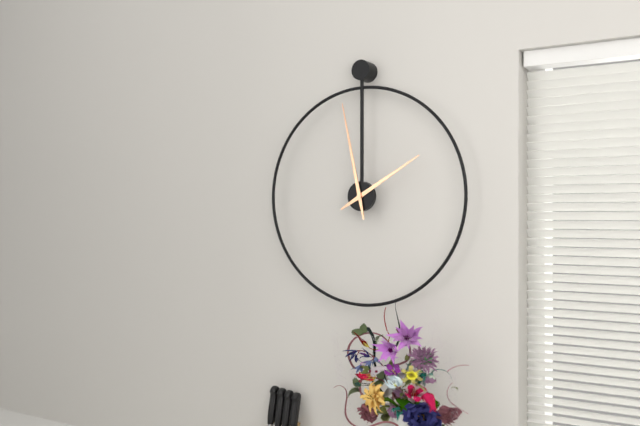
h=1 m=58
